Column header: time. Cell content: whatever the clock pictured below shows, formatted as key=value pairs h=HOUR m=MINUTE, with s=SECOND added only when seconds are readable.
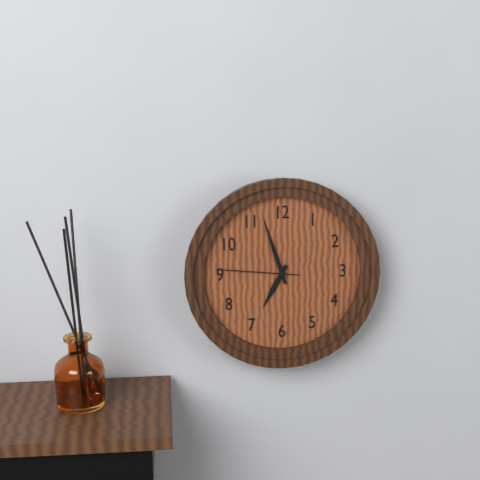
h=6 m=57 s=46
